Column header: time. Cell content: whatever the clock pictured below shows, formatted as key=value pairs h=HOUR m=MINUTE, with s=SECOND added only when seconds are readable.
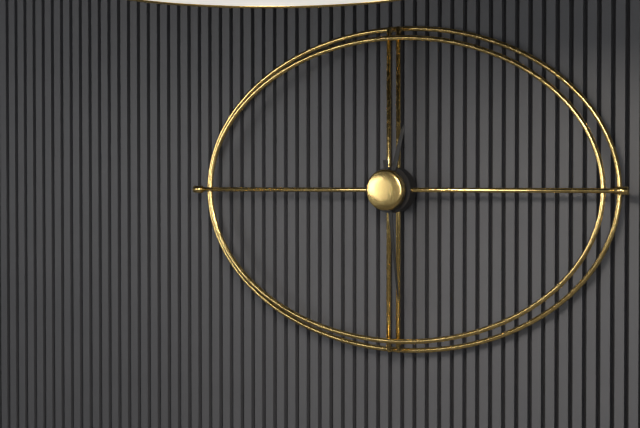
h=12 m=29
